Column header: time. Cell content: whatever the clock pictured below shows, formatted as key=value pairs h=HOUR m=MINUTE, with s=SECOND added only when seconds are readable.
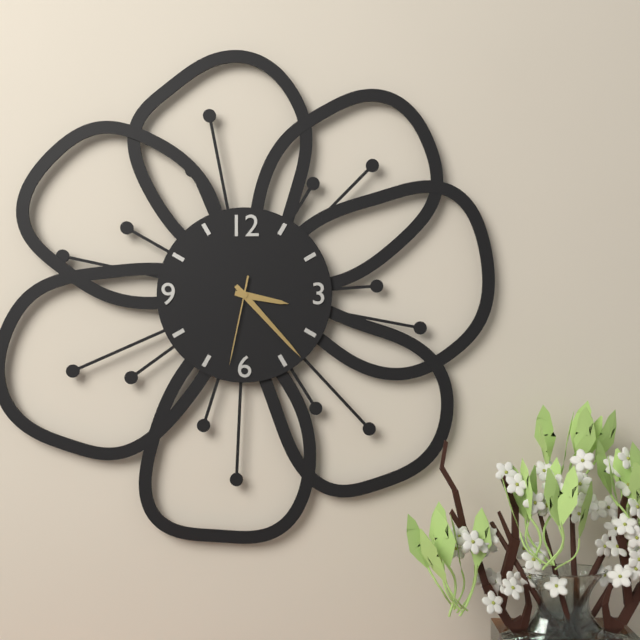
h=3 m=23 s=32
